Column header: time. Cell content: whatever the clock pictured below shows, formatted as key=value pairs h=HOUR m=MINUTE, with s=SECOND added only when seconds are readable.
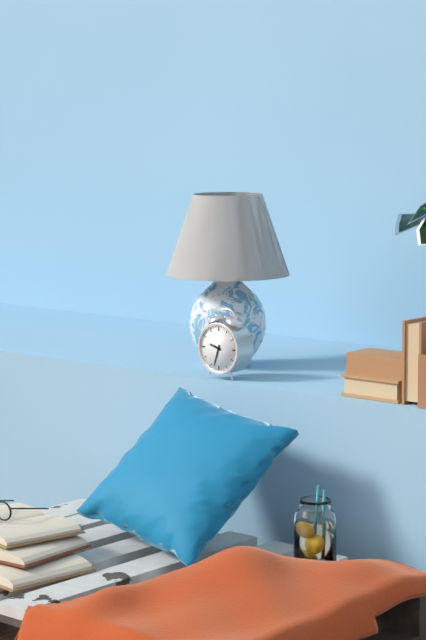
h=9 m=33
